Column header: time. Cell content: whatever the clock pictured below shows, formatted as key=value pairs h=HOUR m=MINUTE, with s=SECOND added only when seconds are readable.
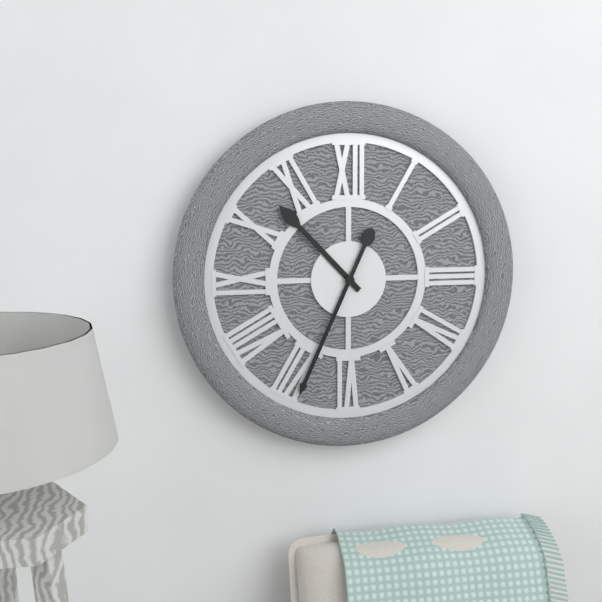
h=10 m=34
